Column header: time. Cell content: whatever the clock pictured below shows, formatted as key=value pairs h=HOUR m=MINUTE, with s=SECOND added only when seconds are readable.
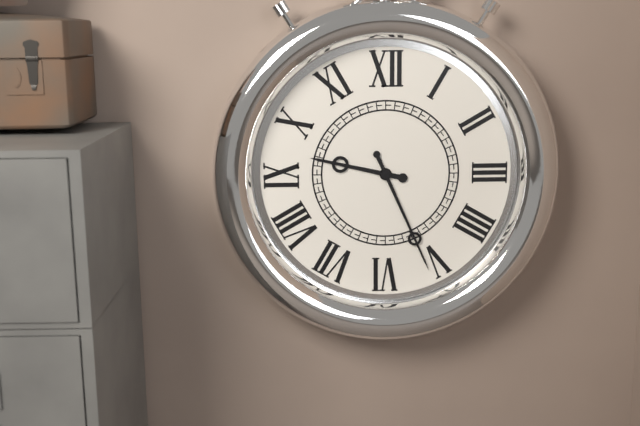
h=9 m=26
